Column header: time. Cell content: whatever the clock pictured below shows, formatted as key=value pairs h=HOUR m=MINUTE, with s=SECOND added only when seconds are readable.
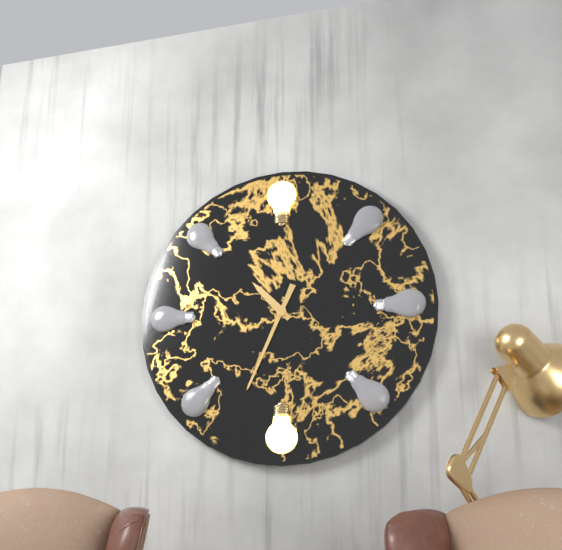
h=10 m=34
